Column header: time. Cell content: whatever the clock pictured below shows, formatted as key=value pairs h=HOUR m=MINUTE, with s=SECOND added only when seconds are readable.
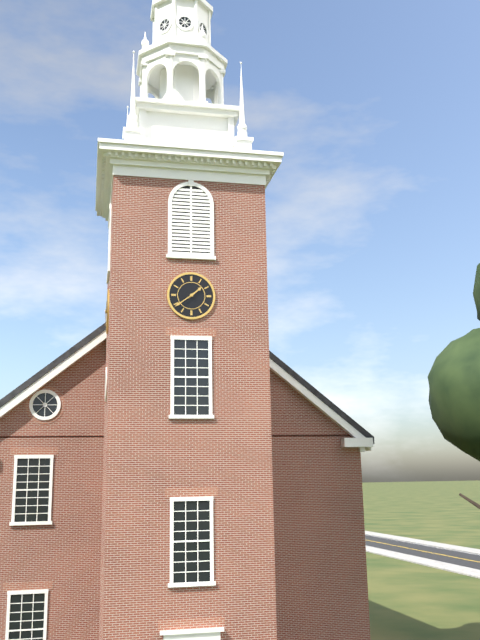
h=1 m=39
